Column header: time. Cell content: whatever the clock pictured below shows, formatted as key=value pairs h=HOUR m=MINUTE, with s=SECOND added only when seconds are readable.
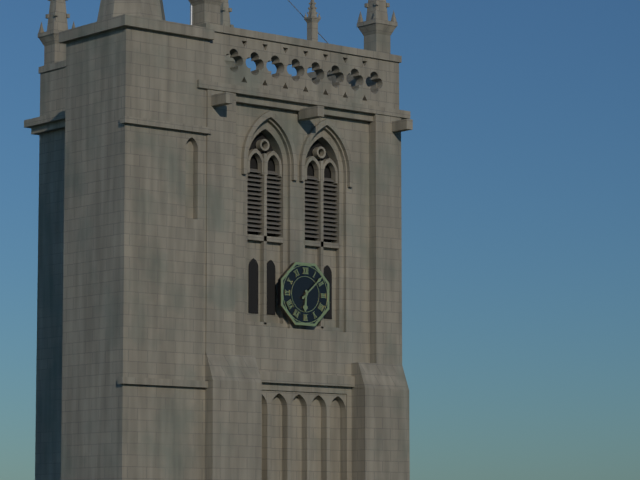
h=6 m=8
